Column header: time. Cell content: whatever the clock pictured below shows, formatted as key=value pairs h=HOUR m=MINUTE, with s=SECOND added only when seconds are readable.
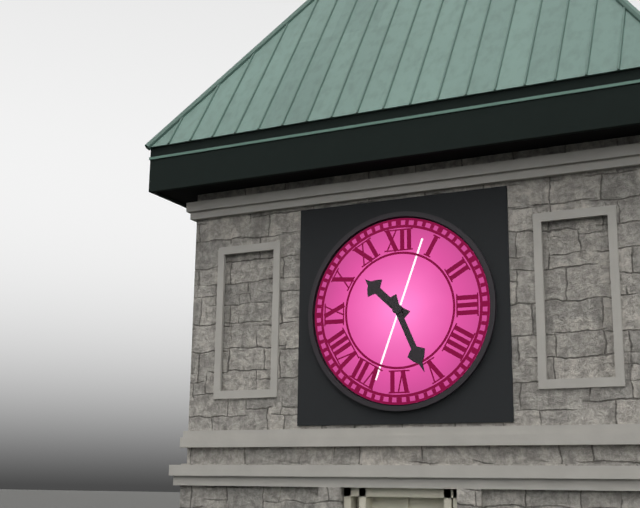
h=10 m=26
